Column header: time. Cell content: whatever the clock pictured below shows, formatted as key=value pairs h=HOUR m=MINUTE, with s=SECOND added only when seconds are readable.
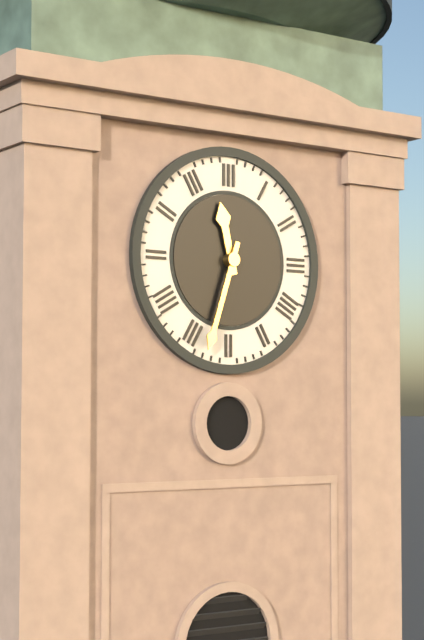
h=11 m=33
